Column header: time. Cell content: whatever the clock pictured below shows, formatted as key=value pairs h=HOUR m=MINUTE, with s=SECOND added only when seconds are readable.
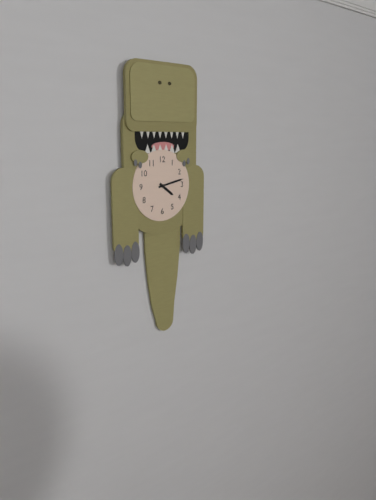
h=4 m=13
